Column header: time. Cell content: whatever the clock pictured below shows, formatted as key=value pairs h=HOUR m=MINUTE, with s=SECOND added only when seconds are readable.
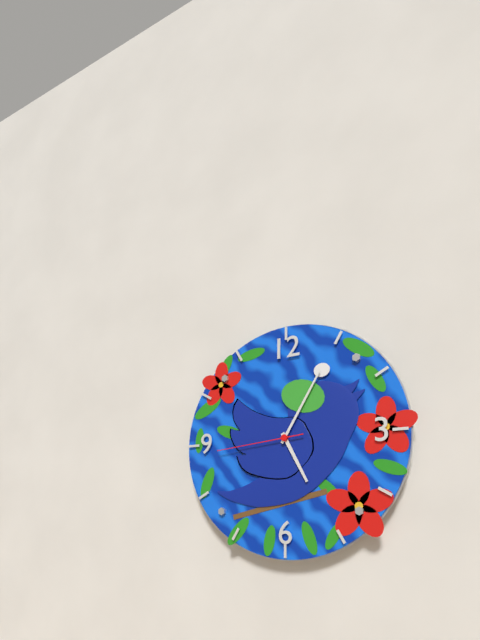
h=5 m=5 s=44
